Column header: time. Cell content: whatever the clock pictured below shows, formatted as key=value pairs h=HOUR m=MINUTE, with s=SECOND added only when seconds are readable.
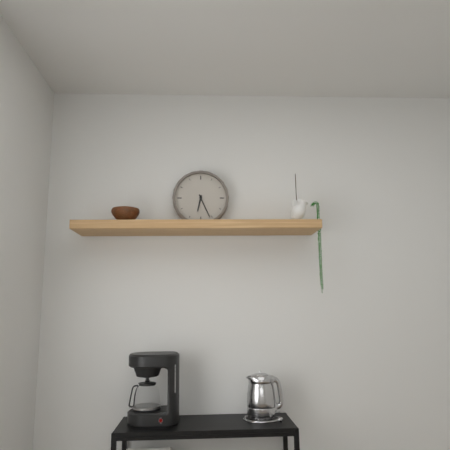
h=6 m=26
